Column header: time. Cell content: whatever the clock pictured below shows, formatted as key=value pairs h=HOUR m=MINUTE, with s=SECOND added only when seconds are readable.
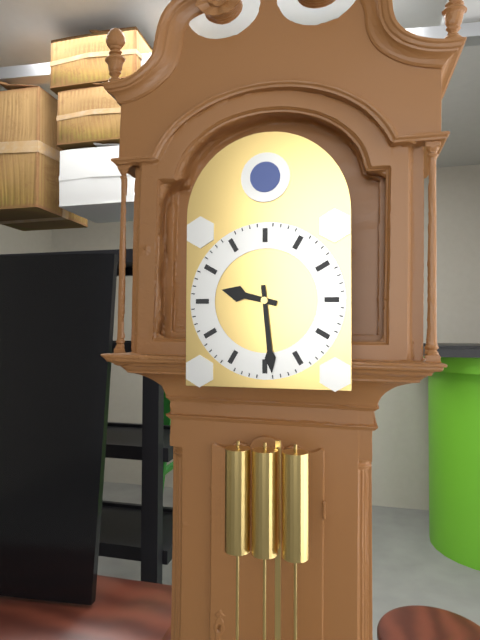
h=9 m=29
